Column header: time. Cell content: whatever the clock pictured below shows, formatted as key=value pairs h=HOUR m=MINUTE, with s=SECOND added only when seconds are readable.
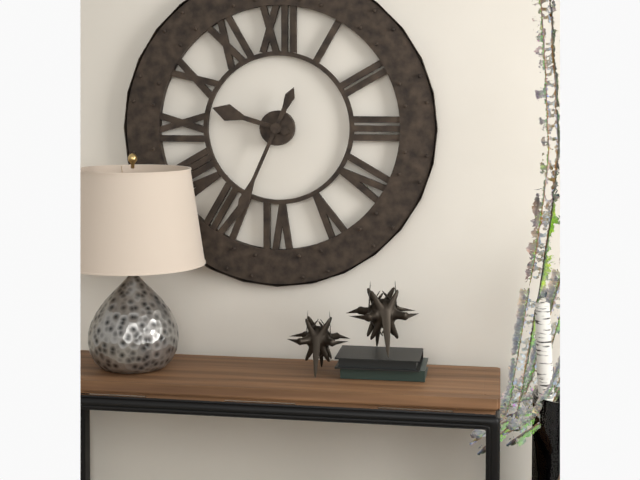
h=9 m=34
